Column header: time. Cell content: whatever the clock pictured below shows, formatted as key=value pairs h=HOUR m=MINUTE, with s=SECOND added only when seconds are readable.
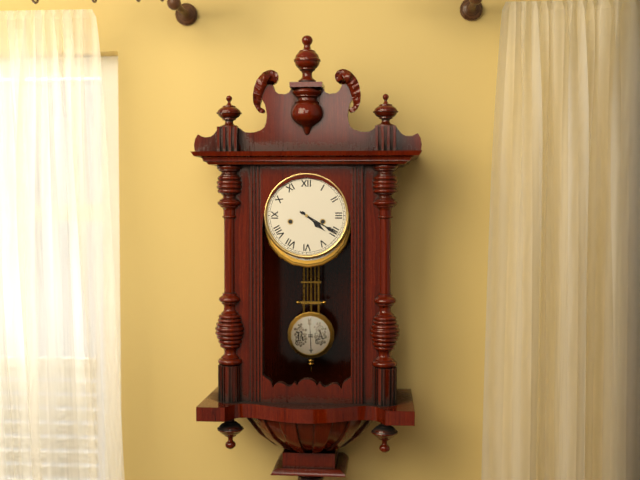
h=4 m=20
